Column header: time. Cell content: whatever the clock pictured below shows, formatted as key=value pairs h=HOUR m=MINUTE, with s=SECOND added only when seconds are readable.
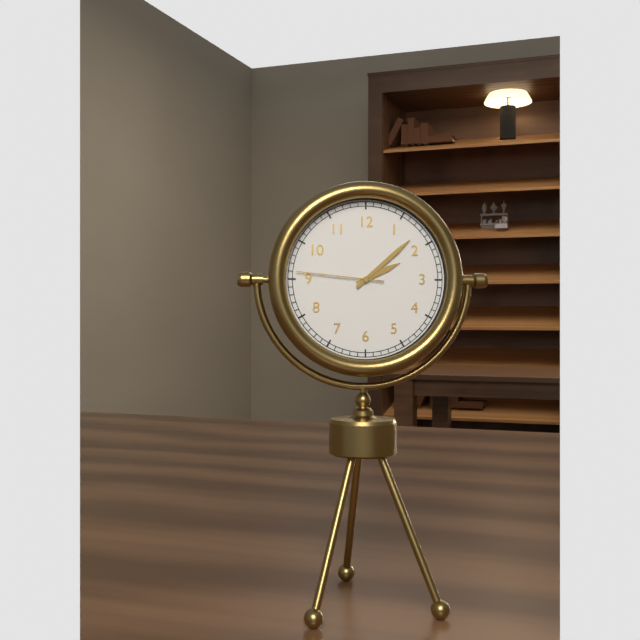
h=2 m=8 s=46
